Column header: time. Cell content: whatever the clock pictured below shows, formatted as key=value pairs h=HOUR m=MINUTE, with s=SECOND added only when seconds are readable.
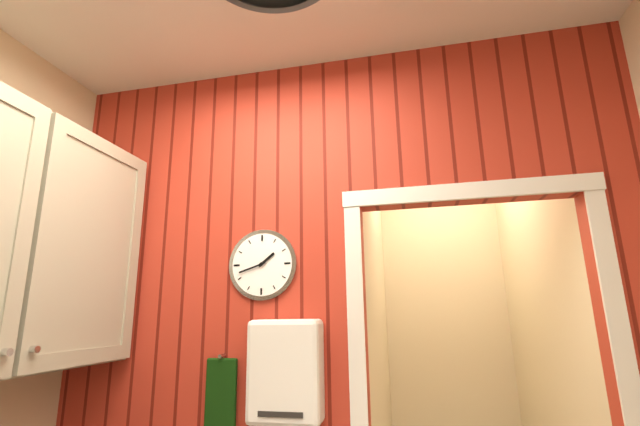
h=1 m=42
